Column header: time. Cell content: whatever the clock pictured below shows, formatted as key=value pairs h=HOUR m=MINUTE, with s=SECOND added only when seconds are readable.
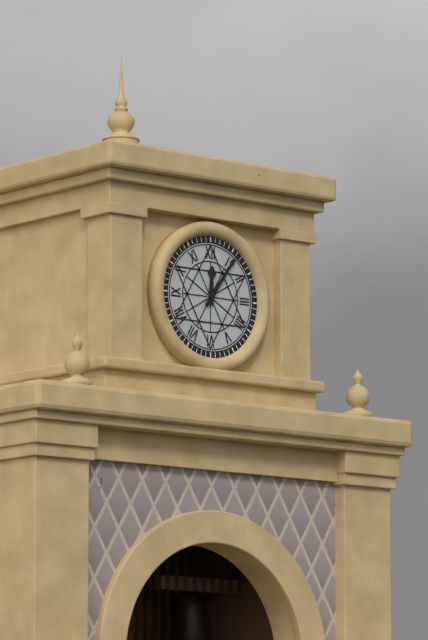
h=12 m=6
